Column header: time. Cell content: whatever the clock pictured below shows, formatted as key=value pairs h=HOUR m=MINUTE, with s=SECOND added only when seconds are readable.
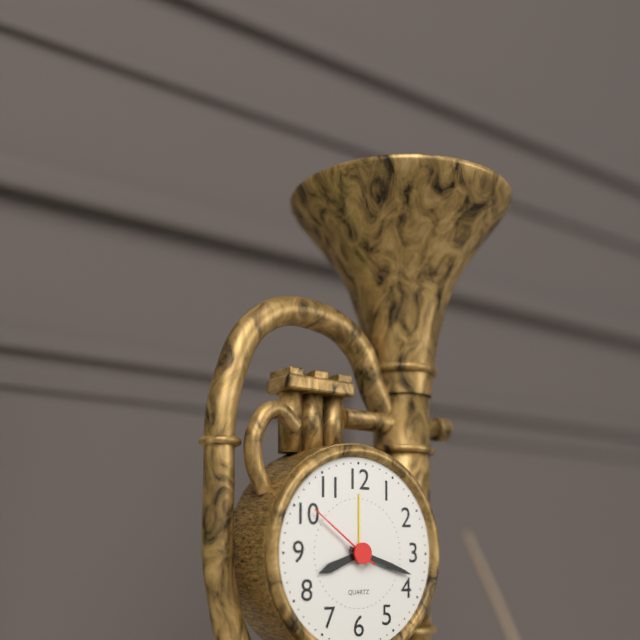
h=8 m=18 s=51
